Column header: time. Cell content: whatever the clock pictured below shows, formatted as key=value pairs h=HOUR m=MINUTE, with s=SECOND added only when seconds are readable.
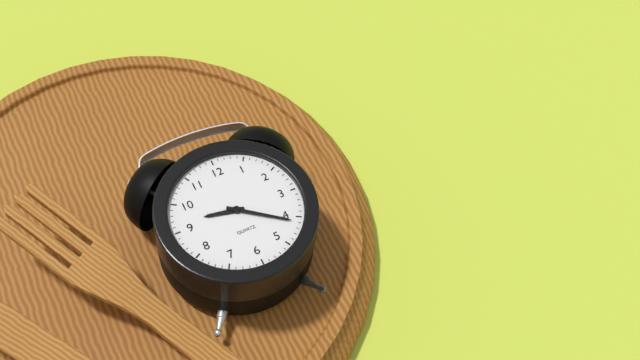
h=9 m=21
